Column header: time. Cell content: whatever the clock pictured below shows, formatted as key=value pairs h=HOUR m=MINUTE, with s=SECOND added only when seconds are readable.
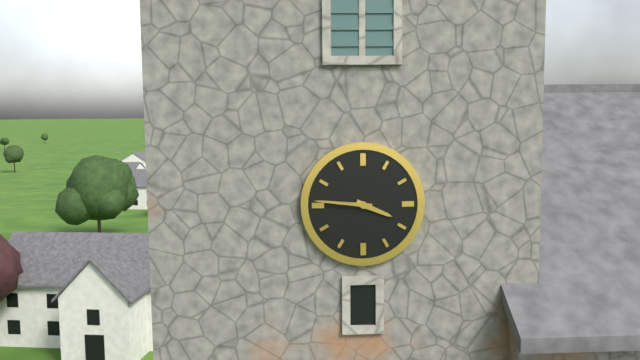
h=3 m=46
